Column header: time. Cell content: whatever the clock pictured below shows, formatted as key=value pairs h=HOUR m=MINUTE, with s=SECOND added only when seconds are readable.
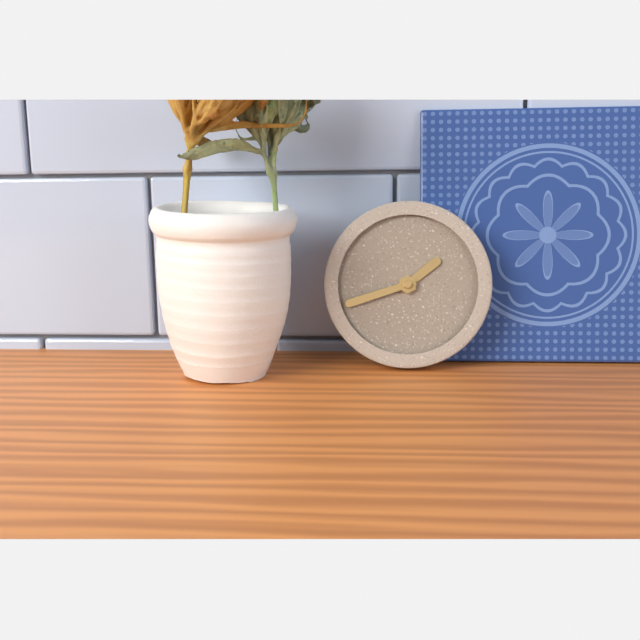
h=1 m=42
